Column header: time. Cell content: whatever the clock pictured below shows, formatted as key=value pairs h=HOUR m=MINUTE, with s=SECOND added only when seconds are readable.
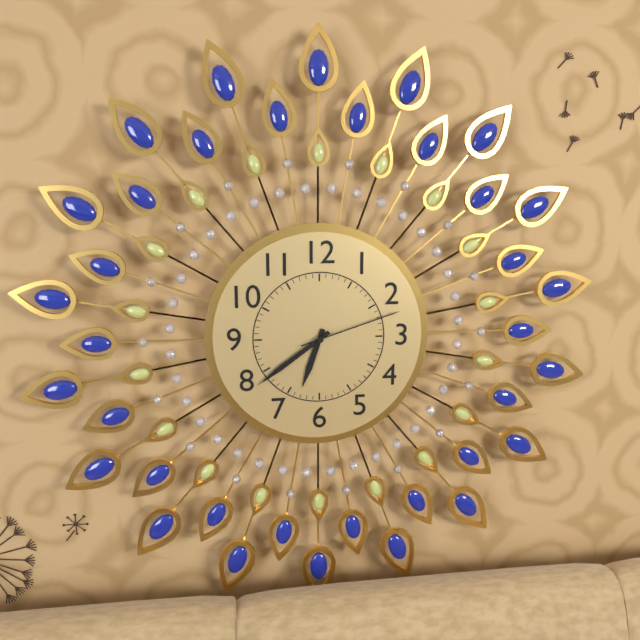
h=6 m=39 s=12
